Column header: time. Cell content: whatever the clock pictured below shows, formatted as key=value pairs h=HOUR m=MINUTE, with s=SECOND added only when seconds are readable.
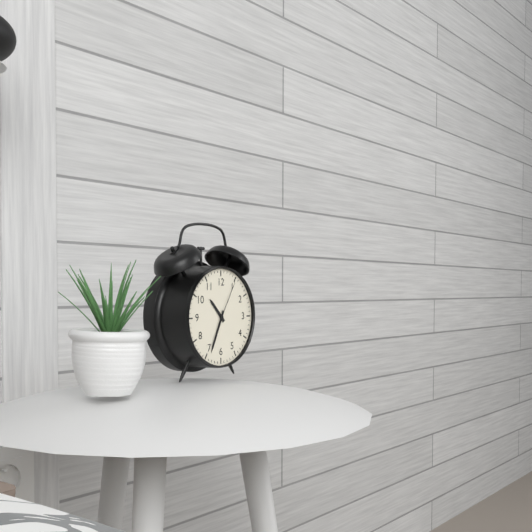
h=10 m=34
